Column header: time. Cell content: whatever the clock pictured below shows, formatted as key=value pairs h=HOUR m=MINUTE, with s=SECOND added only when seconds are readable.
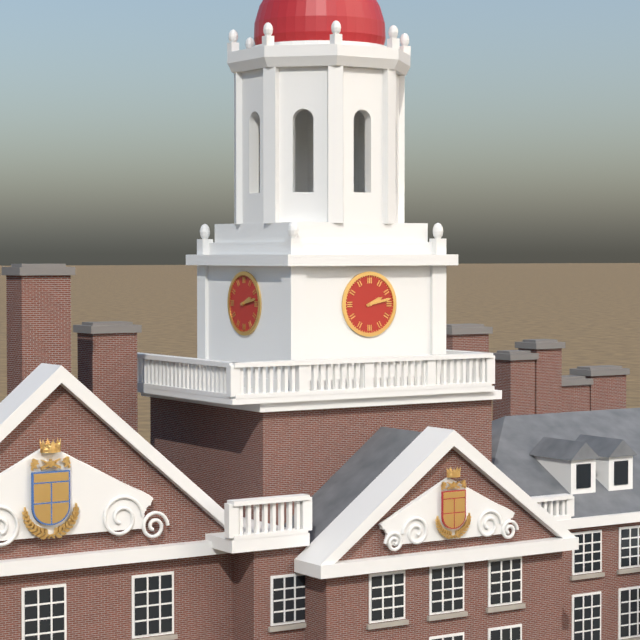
h=2 m=13
